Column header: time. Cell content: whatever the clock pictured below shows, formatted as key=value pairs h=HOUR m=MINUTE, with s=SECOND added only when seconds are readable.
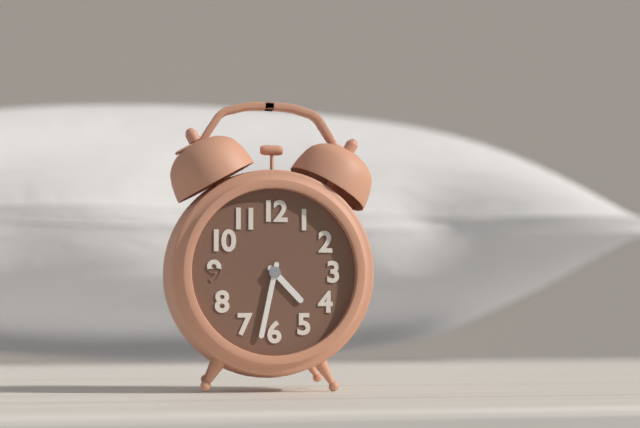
h=4 m=32
